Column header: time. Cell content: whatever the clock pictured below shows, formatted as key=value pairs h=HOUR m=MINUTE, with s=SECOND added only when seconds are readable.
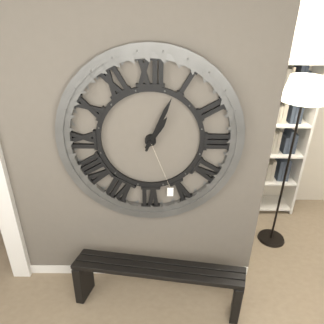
h=1 m=4
